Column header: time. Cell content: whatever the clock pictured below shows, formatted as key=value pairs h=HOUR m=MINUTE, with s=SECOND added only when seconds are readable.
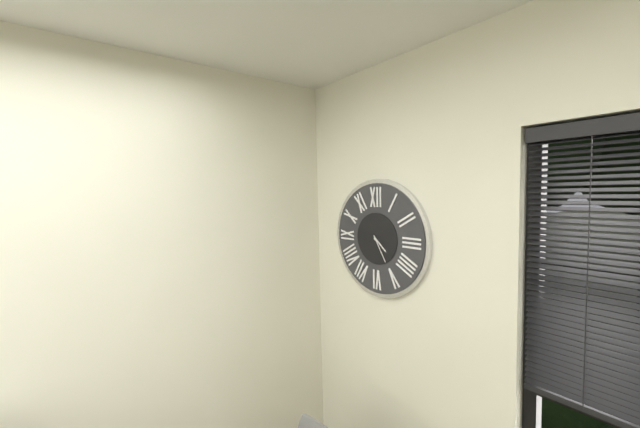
h=4 m=25
